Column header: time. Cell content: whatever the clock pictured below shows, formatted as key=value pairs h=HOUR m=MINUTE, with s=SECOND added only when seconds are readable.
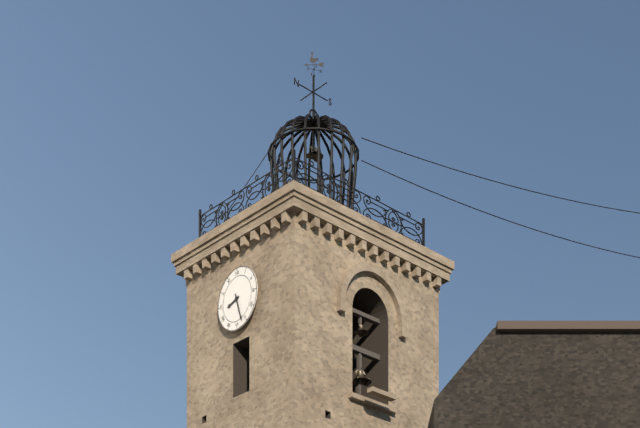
h=8 m=27
